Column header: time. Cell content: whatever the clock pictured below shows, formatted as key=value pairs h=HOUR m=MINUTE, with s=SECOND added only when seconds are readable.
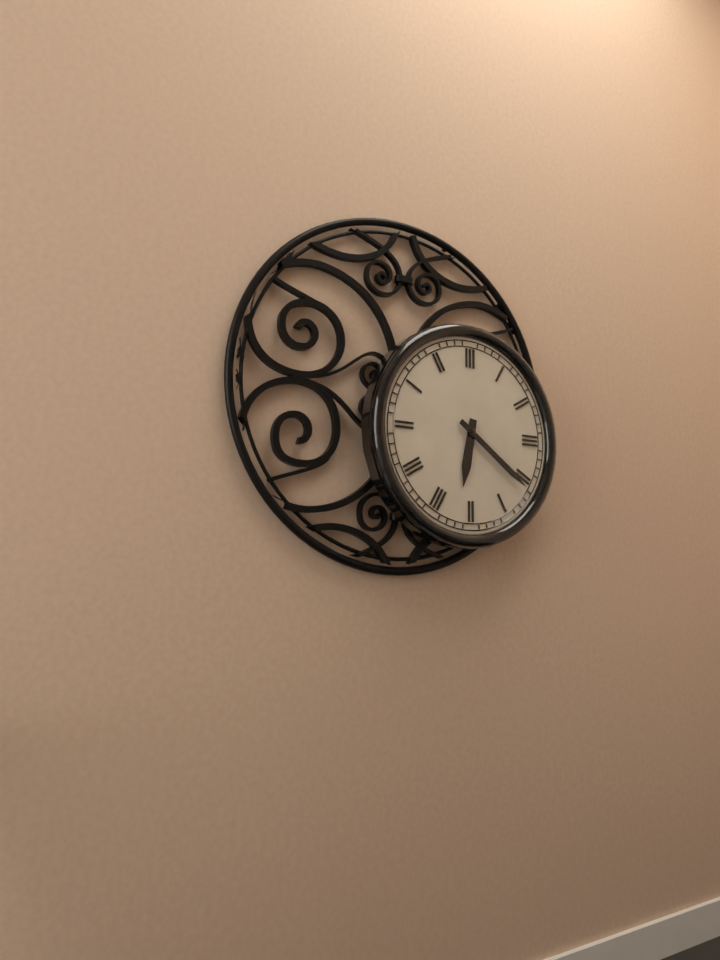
h=6 m=21
